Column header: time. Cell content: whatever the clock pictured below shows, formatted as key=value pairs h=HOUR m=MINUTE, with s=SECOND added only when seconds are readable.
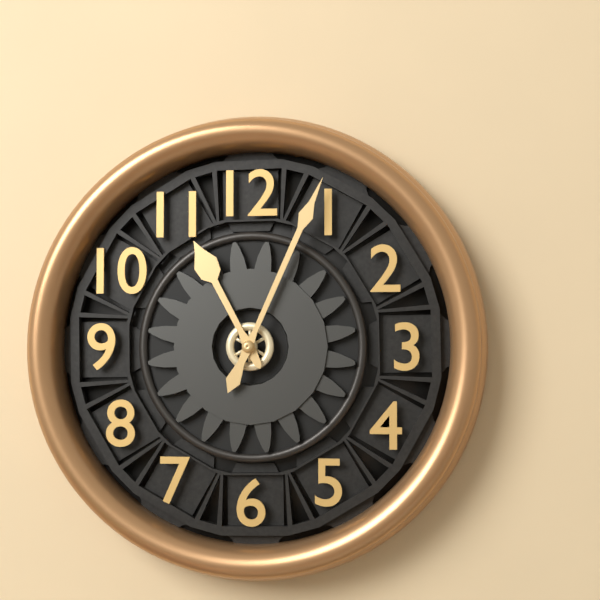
h=11 m=4
